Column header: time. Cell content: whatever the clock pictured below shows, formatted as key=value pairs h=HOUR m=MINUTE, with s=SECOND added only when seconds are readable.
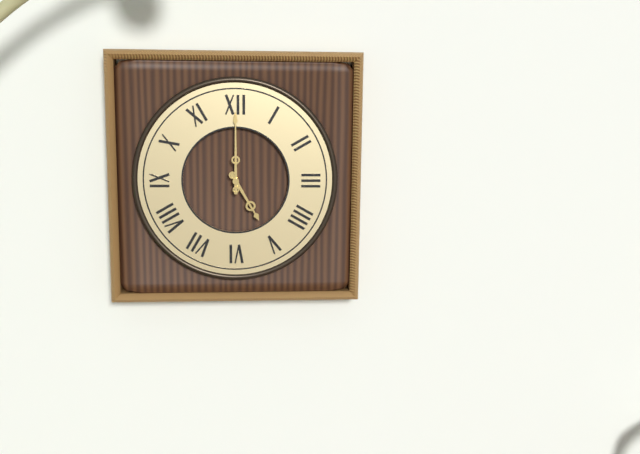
h=5 m=0
